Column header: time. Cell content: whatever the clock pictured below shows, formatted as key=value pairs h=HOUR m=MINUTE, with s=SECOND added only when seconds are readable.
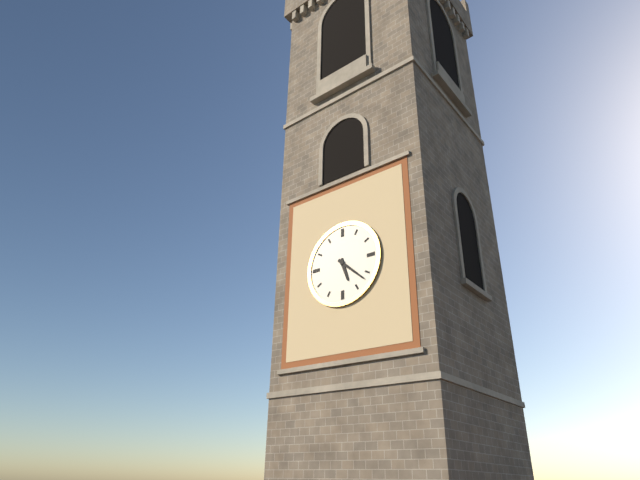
h=5 m=22
